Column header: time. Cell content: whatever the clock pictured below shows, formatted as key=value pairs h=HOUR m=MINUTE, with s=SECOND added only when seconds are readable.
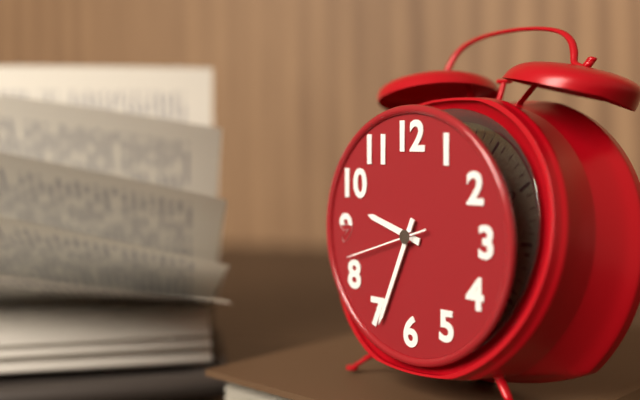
h=9 m=34 s=42
